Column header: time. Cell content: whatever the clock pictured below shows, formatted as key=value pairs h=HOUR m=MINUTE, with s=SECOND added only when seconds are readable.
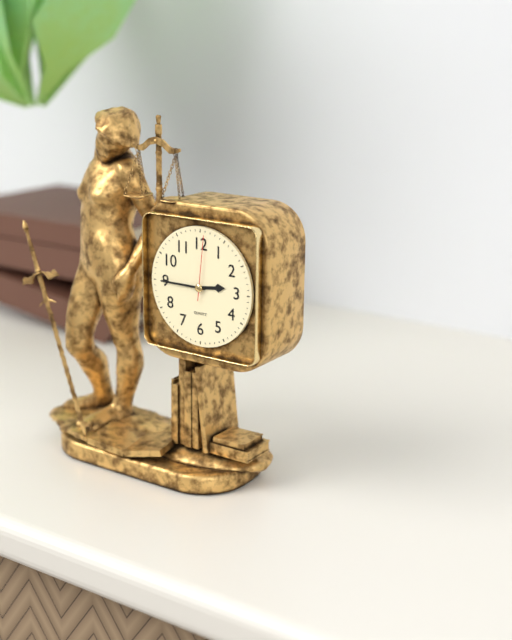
h=2 m=45 s=1
